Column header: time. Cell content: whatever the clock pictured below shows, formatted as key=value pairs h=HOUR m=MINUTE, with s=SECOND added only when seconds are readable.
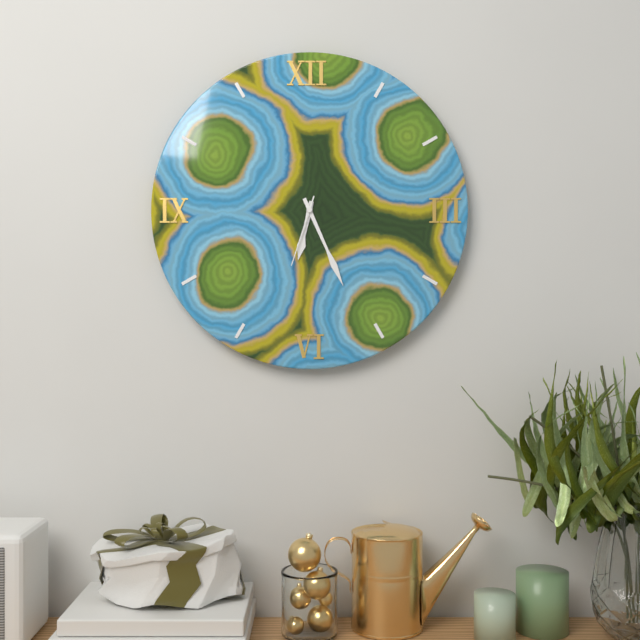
h=6 m=26 s=33
